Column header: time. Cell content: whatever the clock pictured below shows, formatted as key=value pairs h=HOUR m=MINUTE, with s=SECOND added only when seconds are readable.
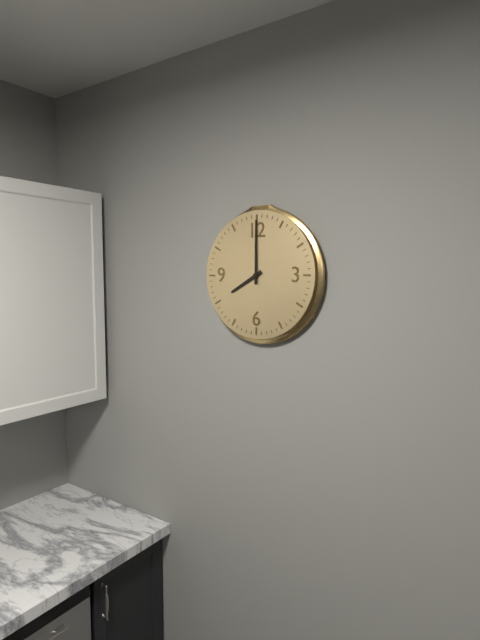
h=8 m=0
